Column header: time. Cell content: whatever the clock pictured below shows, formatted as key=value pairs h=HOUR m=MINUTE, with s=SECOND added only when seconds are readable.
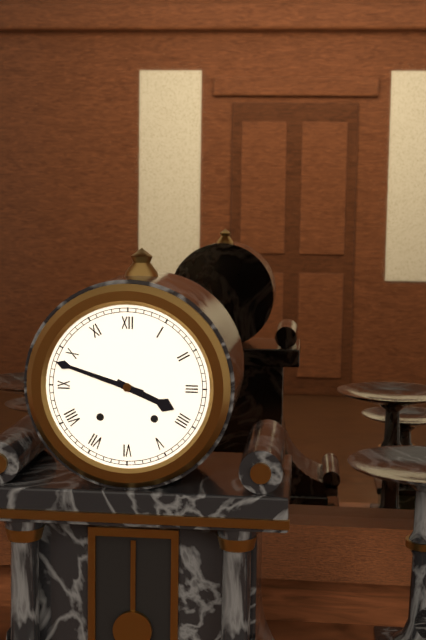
h=3 m=48
